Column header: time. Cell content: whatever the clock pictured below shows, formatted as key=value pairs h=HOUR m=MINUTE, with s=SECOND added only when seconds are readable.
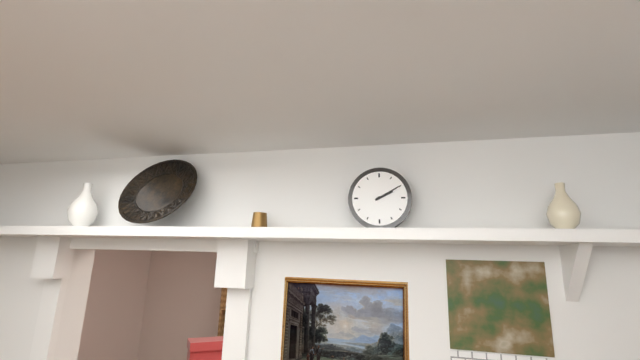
h=2 m=10
